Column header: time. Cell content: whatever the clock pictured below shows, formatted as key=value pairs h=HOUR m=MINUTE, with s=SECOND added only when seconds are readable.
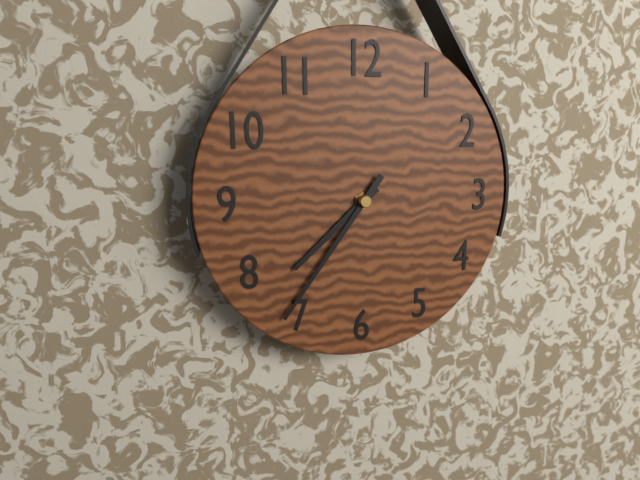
h=7 m=36
